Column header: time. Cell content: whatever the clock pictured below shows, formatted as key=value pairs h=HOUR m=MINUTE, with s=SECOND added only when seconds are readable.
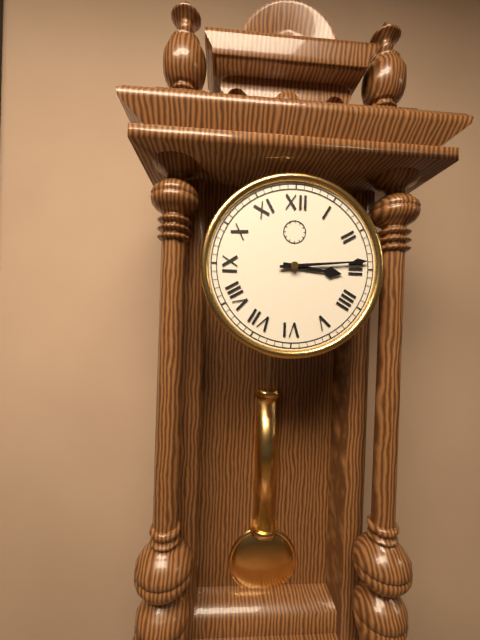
h=3 m=14
